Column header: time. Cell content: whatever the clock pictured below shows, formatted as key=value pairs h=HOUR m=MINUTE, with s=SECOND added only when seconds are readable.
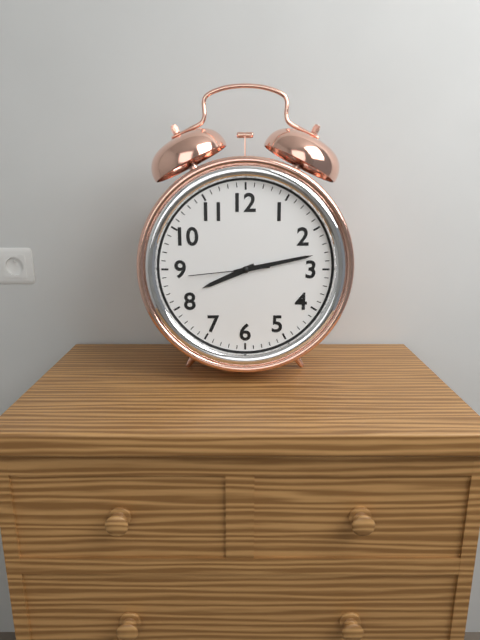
h=8 m=13 s=44
